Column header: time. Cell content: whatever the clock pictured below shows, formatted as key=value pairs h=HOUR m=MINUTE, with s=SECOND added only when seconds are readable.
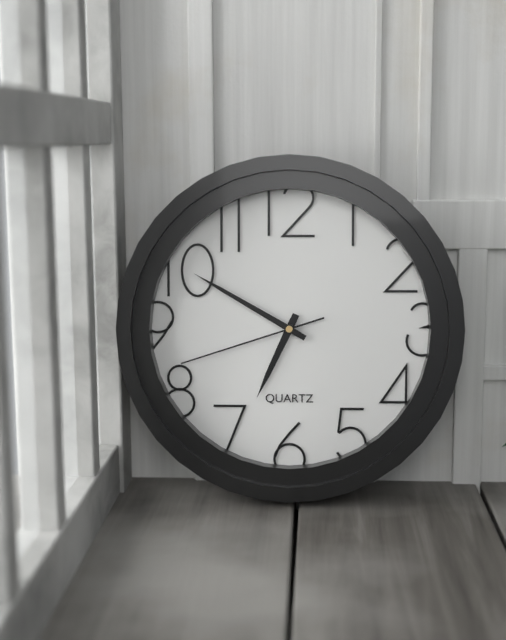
h=6 m=50 s=42
